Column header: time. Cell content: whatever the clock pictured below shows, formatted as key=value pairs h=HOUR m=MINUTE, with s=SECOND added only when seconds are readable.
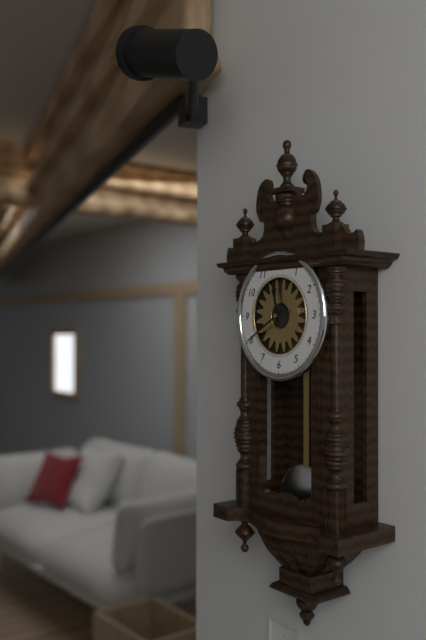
h=11 m=40
